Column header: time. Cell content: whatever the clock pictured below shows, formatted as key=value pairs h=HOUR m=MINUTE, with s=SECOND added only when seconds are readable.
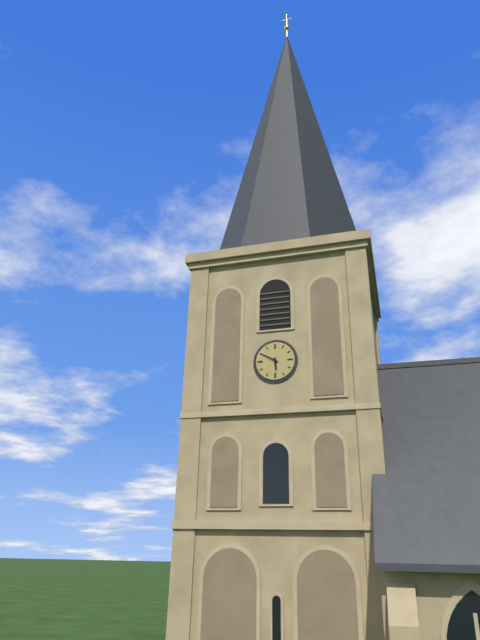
h=5 m=50
